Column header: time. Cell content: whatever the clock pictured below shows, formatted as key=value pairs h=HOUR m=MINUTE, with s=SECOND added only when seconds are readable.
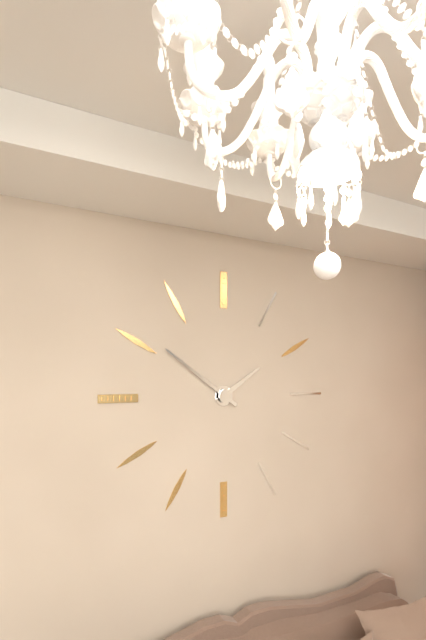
h=1 m=51
